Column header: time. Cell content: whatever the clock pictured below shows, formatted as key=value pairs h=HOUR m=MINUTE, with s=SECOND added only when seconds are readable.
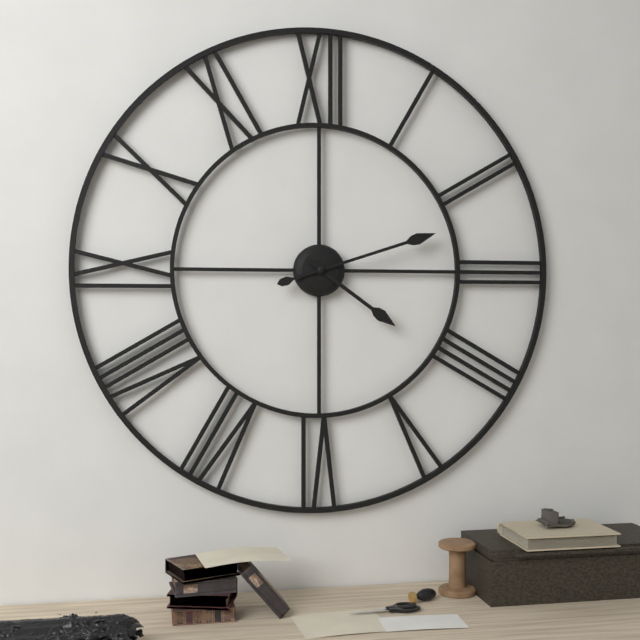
h=4 m=12
